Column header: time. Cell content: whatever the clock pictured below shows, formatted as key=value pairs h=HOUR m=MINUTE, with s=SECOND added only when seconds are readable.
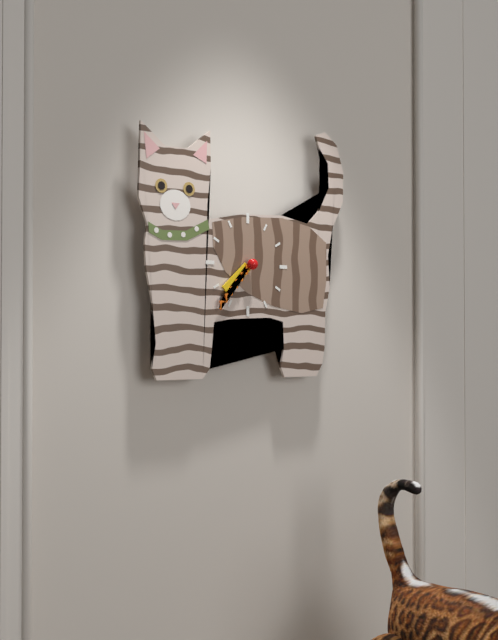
h=7 m=37
